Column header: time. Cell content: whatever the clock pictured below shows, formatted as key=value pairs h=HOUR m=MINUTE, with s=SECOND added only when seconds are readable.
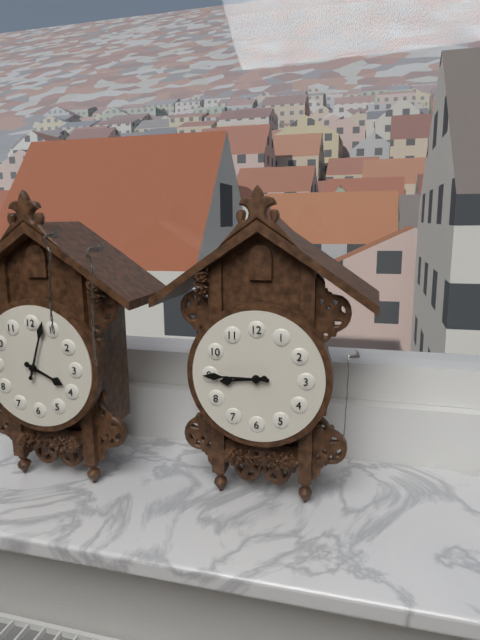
h=8 m=45
